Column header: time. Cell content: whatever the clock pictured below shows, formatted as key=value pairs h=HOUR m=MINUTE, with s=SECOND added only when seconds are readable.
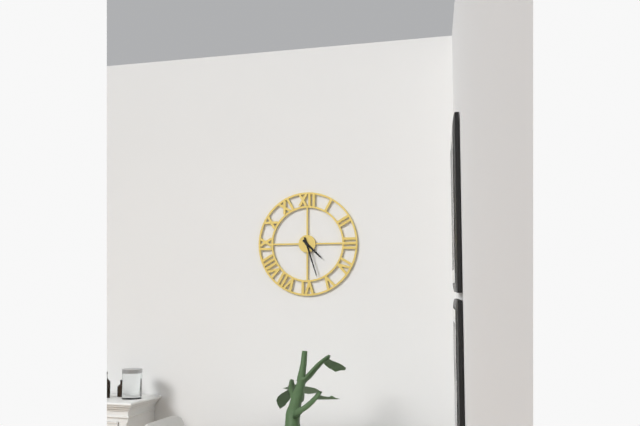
h=4 m=27
